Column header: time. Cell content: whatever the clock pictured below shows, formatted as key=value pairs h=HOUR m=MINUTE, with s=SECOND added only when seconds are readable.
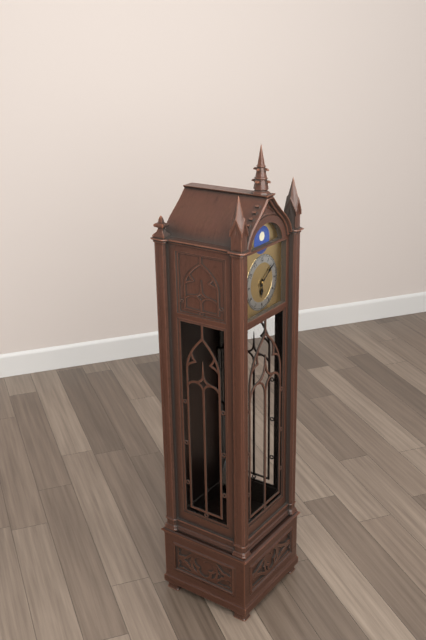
h=6 m=9
